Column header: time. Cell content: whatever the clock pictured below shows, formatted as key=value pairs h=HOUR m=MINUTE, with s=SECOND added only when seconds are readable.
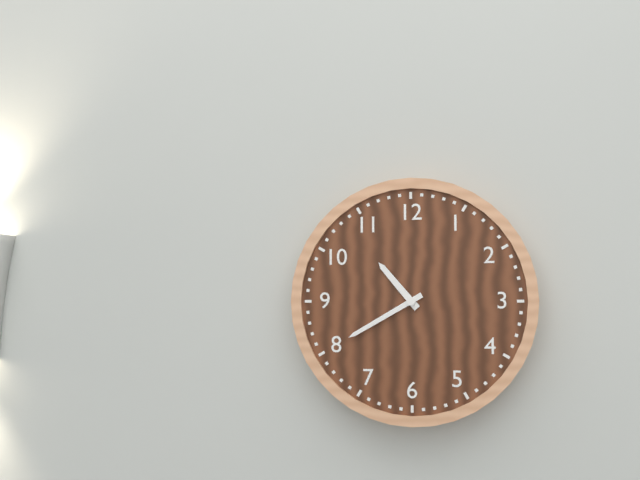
h=10 m=40
